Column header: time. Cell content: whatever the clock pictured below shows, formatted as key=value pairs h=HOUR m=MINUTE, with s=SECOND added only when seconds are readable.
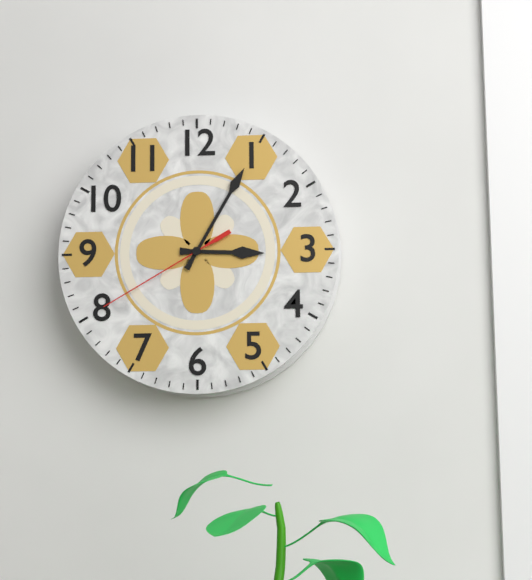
h=3 m=5 s=40
